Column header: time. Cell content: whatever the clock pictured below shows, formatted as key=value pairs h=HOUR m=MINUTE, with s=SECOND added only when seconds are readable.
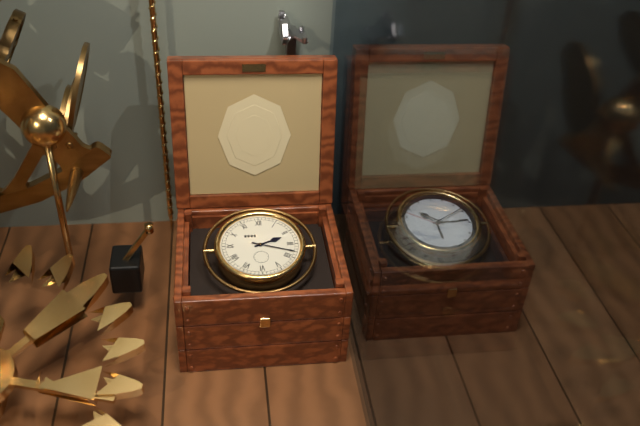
h=2 m=18
